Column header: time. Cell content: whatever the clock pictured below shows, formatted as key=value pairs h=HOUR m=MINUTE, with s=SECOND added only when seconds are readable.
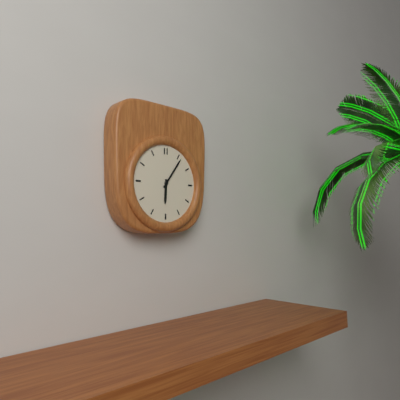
h=6 m=6
